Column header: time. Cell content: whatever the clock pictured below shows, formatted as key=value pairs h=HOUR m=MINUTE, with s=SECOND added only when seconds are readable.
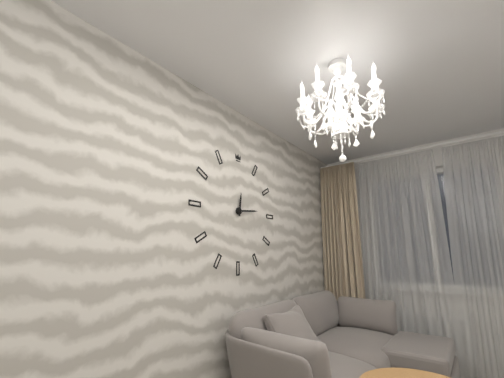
h=12 m=14
